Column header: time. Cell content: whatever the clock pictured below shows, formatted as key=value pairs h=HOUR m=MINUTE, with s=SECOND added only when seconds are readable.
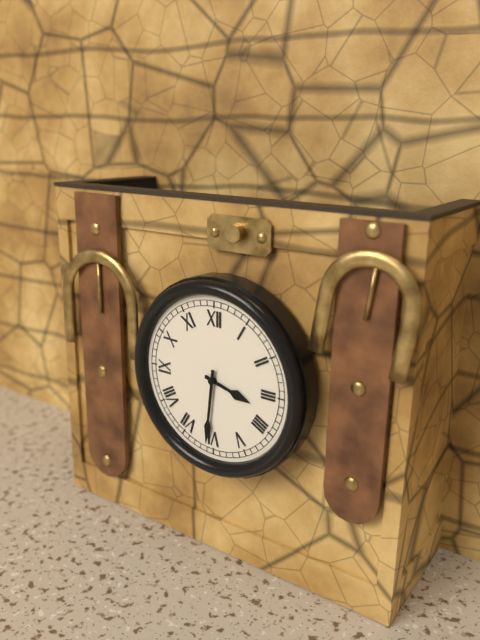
h=3 m=31
